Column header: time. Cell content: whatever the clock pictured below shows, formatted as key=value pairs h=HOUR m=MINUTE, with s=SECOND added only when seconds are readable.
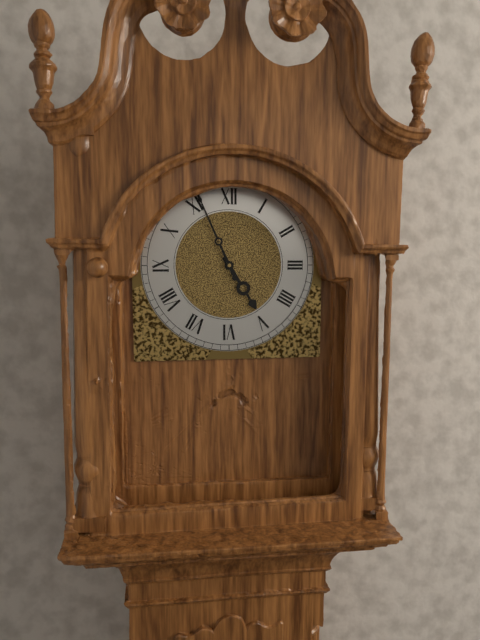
h=4 m=56
